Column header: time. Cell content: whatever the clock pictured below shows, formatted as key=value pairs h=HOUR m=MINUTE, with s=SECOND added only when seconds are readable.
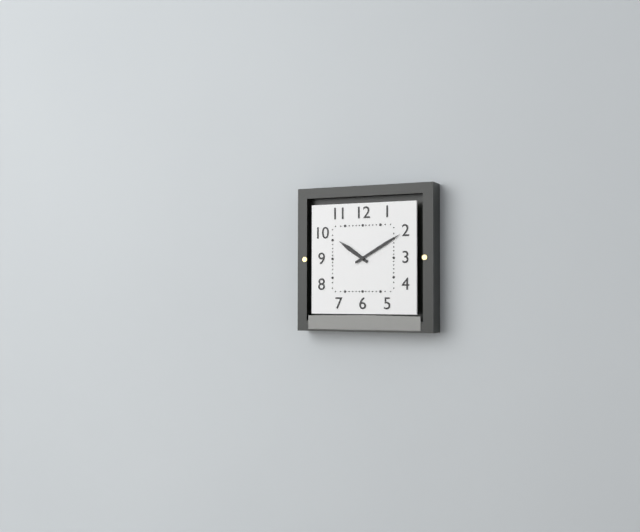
h=10 m=10
